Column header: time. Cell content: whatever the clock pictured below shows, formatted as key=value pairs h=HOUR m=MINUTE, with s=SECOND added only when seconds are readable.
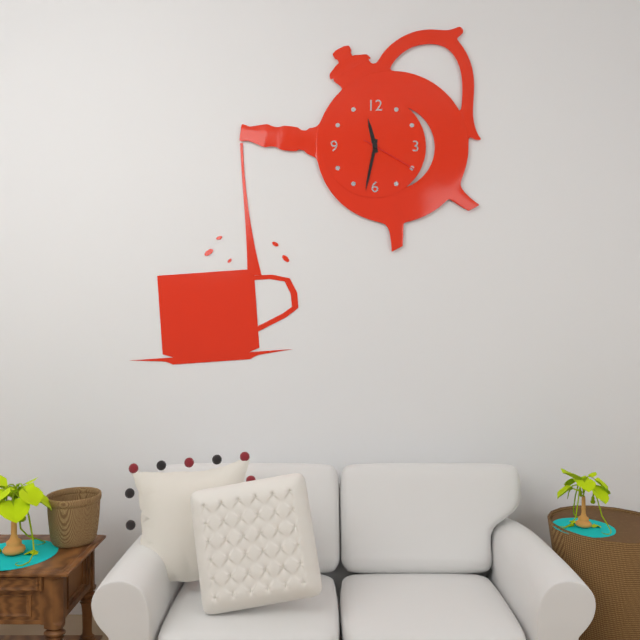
h=11 m=32 s=20
